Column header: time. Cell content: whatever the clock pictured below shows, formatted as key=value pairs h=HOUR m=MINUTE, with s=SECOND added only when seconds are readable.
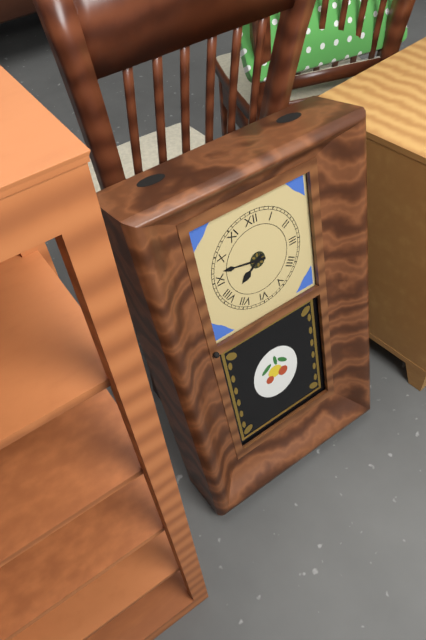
h=7 m=47
